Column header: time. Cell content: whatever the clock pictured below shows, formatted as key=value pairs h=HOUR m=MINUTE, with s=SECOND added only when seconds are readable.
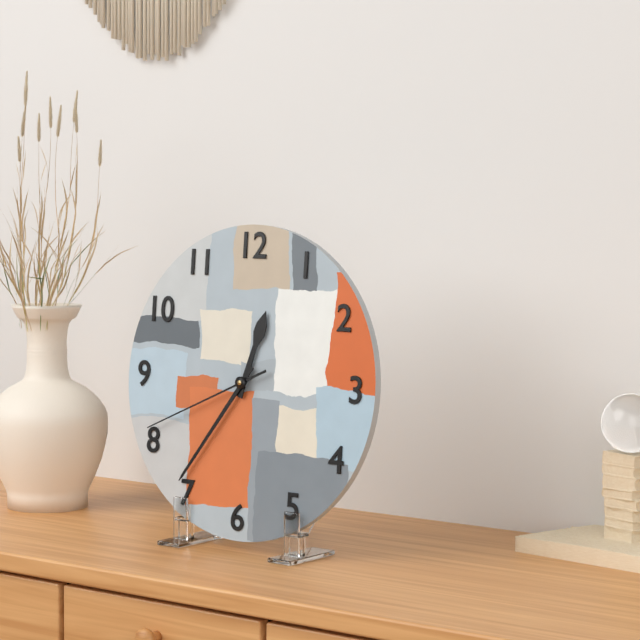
h=12 m=36 s=41
